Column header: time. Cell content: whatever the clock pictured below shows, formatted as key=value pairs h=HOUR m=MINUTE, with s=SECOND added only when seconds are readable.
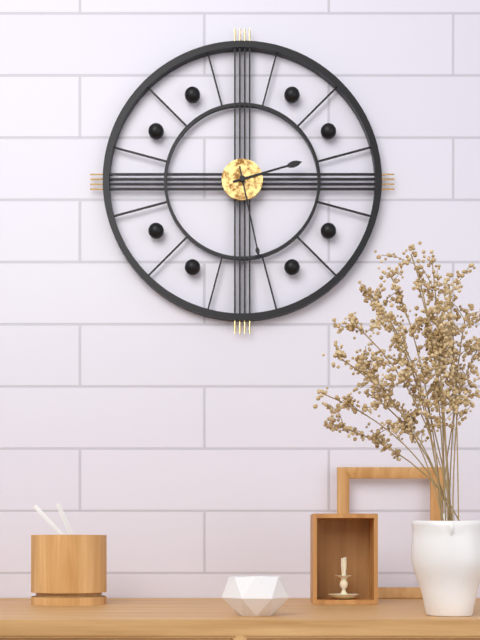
h=2 m=28
